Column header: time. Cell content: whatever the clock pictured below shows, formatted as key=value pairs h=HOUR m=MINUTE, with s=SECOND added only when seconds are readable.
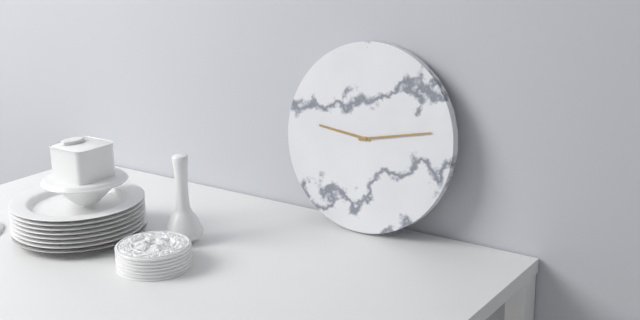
h=9 m=13
